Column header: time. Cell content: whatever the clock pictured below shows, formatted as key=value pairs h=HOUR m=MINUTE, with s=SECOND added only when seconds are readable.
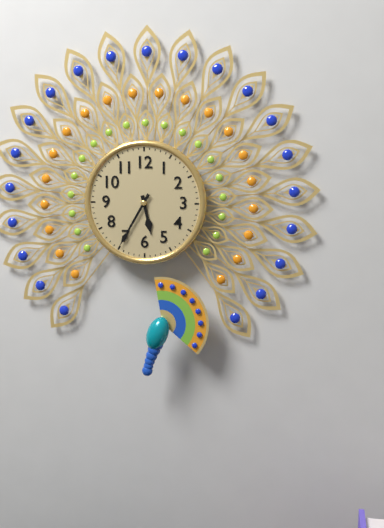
h=5 m=35
